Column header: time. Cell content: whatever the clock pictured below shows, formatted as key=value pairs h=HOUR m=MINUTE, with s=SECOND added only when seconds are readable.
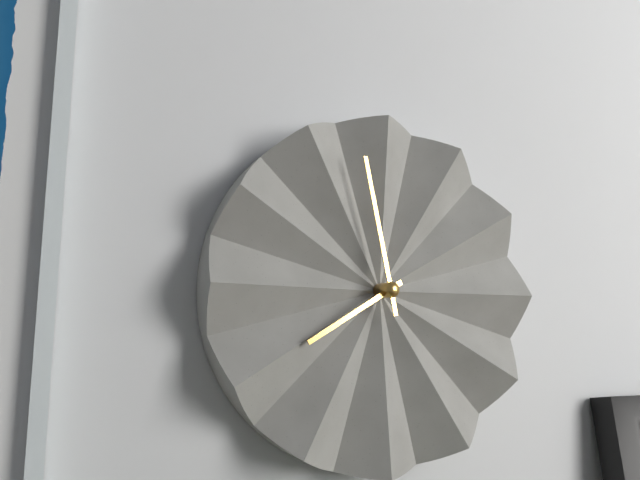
h=7 m=58
